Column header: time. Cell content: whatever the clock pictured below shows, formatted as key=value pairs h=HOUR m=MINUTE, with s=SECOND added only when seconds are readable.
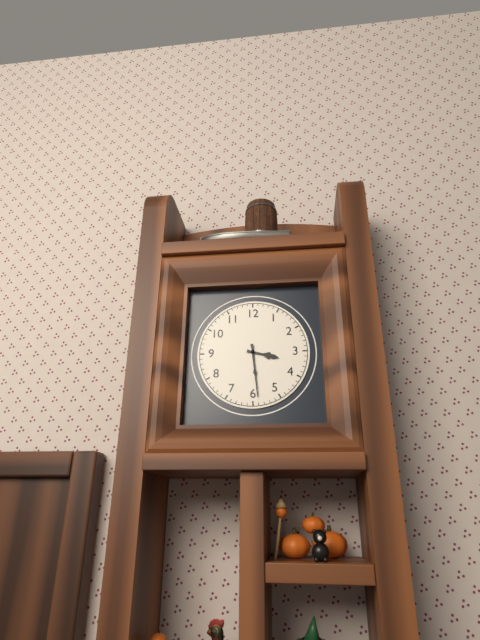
h=3 m=29
